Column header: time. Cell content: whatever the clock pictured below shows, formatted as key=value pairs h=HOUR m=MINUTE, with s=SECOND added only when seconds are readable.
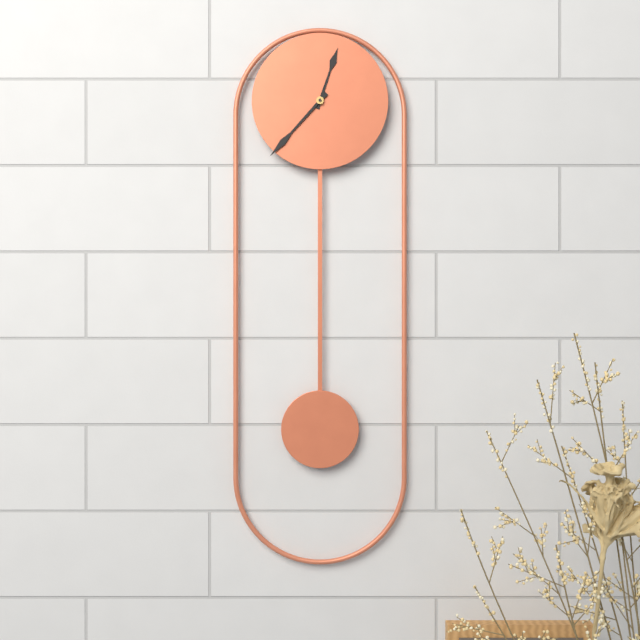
h=12 m=37
